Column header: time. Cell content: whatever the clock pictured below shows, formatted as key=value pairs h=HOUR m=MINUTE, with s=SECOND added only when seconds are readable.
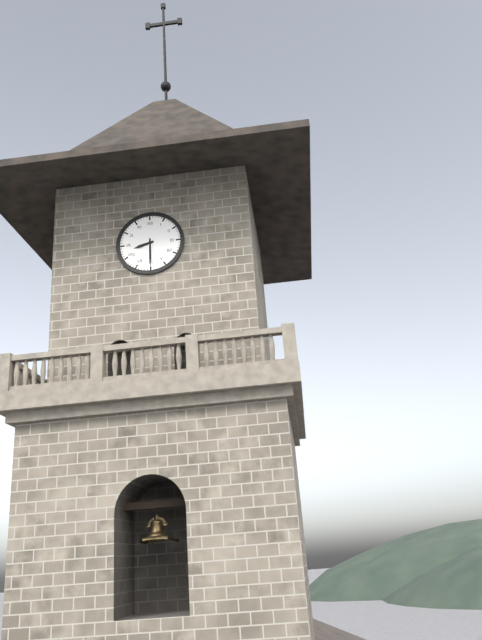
h=8 m=30
